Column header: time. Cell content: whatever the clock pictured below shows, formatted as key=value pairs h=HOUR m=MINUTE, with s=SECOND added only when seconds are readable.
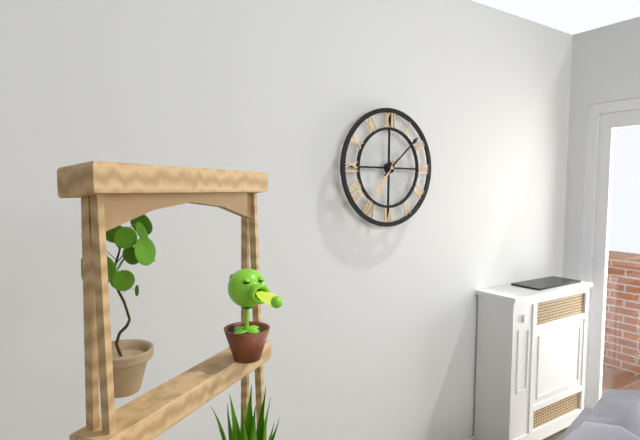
h=7 m=8
